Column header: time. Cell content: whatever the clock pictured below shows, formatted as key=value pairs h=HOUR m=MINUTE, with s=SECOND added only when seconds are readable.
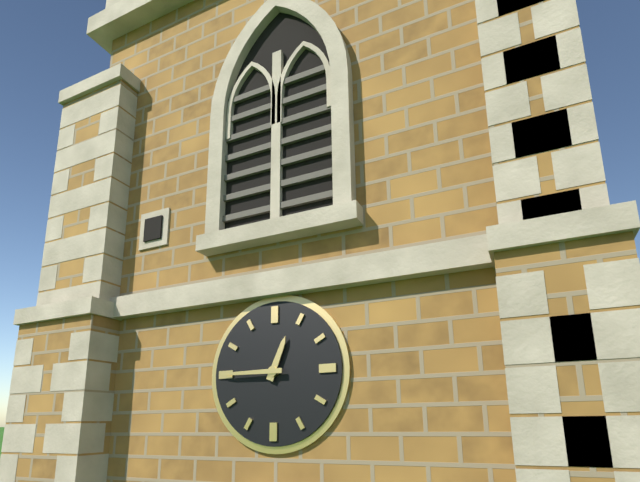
h=12 m=45
